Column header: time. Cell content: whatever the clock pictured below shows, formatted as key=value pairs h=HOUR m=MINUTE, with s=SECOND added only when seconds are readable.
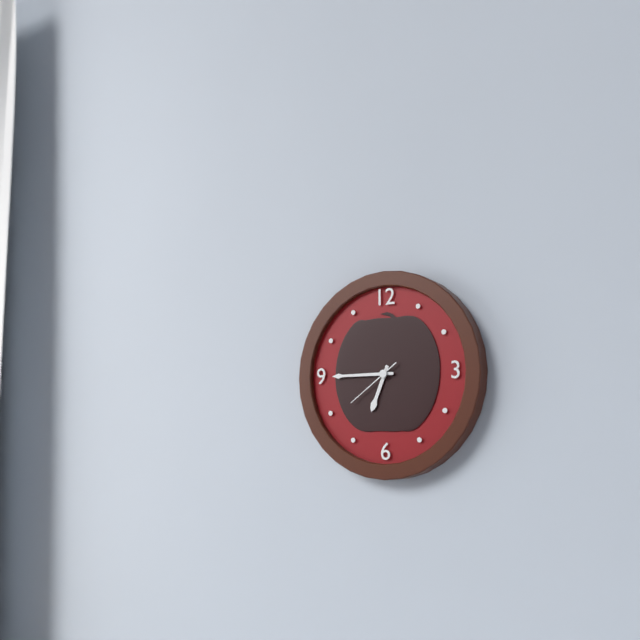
h=6 m=45 s=39
